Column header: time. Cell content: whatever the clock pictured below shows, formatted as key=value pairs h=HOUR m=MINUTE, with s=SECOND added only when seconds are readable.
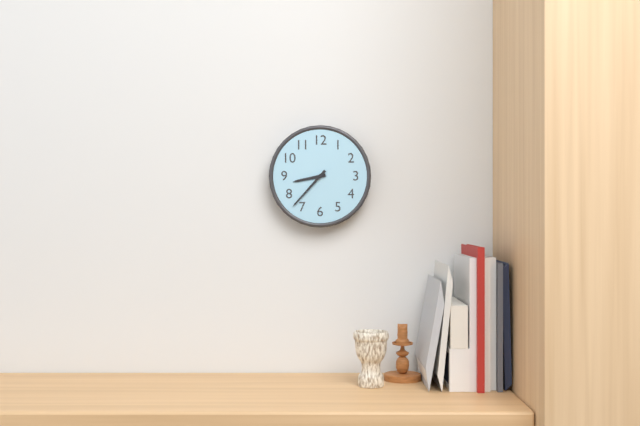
h=8 m=37
